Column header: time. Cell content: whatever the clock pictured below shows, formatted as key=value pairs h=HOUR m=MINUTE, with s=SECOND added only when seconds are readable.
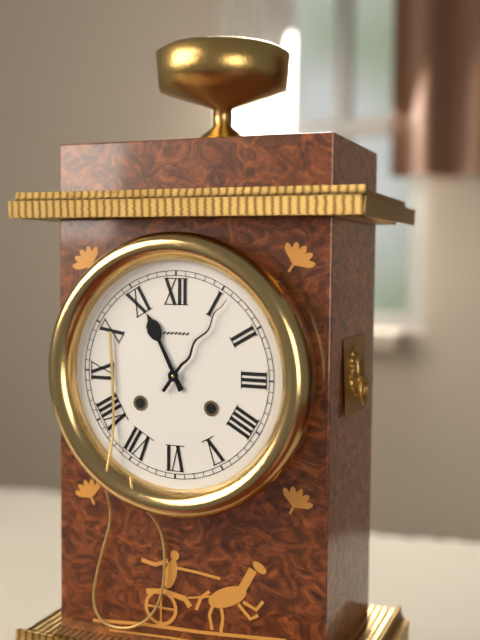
h=11 m=6
